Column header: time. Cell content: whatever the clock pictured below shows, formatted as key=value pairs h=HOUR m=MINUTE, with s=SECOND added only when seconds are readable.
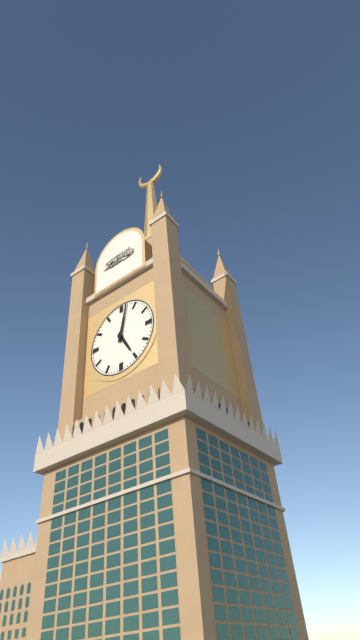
h=5 m=2
